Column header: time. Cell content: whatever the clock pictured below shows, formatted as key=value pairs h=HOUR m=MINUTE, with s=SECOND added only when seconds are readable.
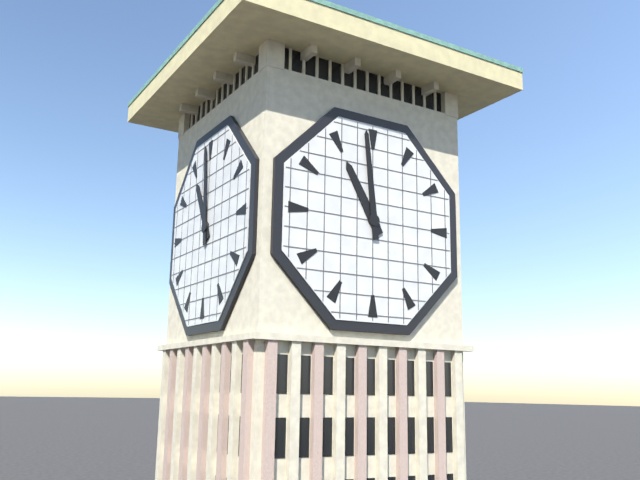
h=10 m=59
